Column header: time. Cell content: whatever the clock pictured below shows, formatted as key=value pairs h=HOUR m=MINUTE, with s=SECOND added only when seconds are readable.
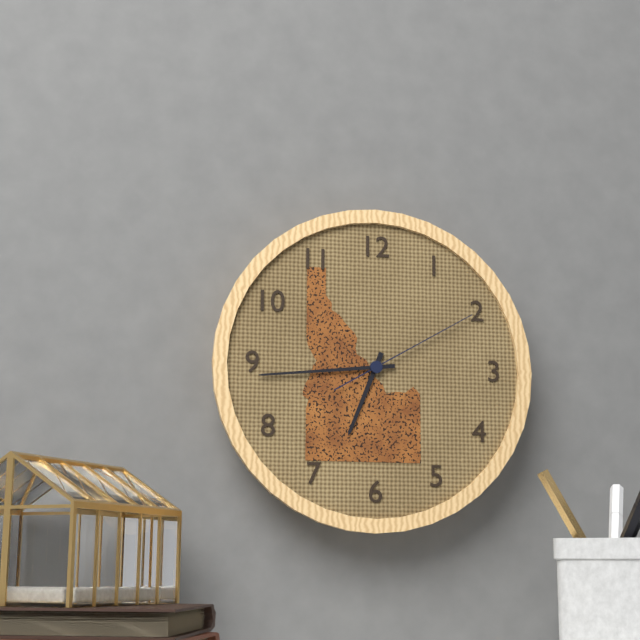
h=6 m=44 s=10
